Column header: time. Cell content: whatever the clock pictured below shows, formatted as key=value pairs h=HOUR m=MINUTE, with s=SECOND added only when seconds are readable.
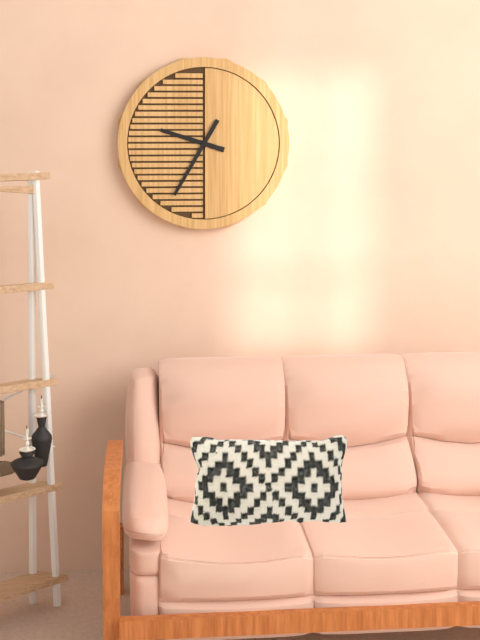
h=9 m=35
